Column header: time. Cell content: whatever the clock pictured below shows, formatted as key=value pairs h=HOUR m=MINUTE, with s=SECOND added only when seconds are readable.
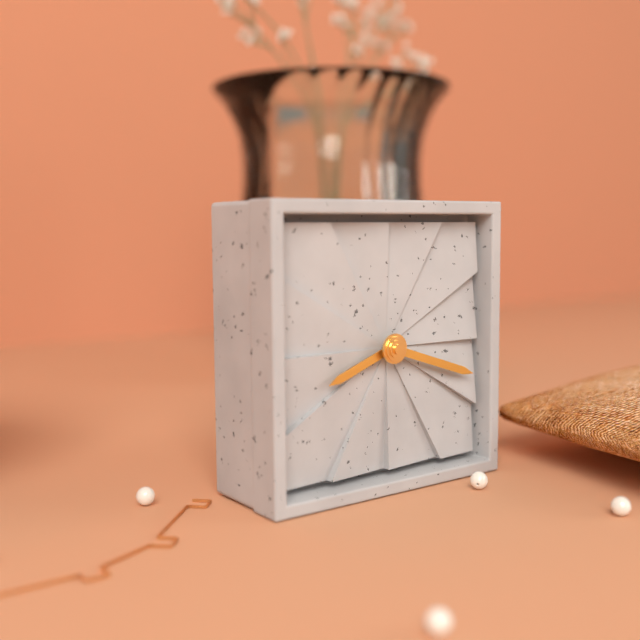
h=8 m=18
